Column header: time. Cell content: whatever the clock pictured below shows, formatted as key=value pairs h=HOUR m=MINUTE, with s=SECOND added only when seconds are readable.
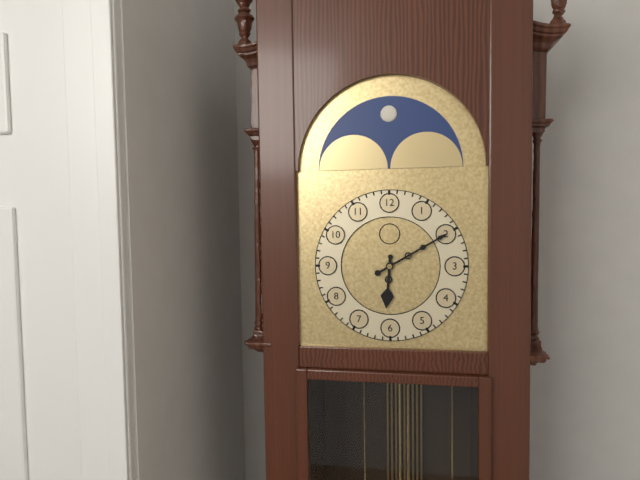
h=6 m=10
